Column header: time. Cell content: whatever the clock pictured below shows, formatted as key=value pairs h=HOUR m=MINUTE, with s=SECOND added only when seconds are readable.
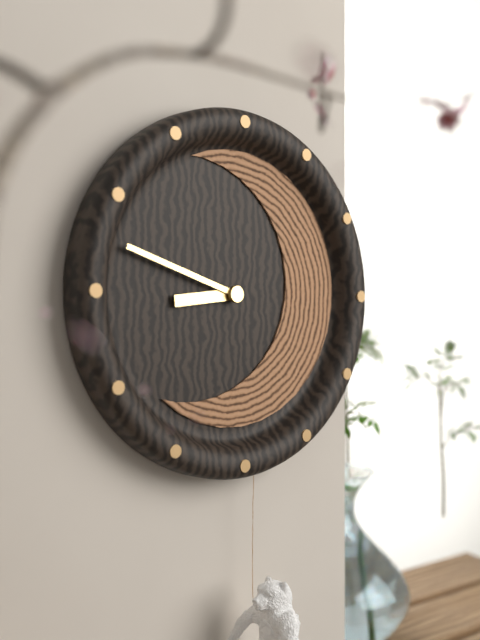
h=8 m=48
